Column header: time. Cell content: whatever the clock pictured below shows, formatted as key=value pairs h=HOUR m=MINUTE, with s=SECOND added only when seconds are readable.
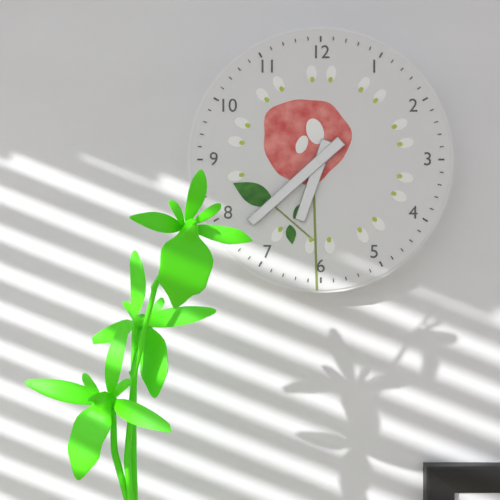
h=6 m=38
